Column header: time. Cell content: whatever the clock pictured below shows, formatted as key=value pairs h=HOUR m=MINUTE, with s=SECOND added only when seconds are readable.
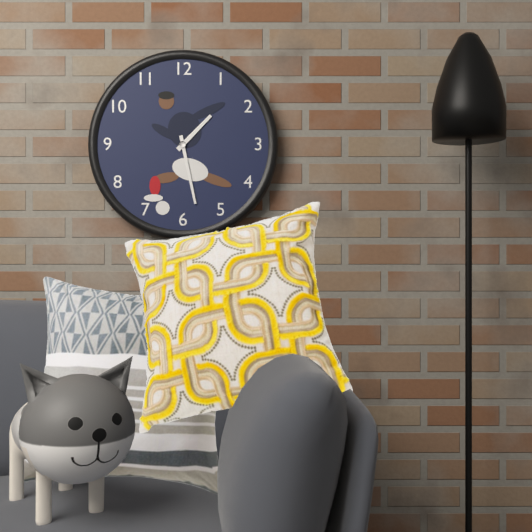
h=1 m=28
